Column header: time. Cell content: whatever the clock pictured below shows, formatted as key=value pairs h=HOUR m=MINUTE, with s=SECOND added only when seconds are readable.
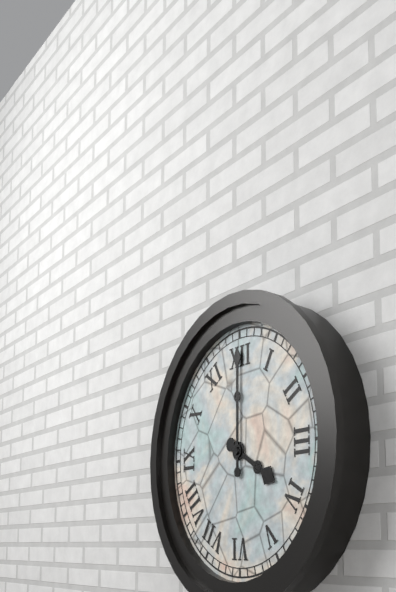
h=4 m=0
